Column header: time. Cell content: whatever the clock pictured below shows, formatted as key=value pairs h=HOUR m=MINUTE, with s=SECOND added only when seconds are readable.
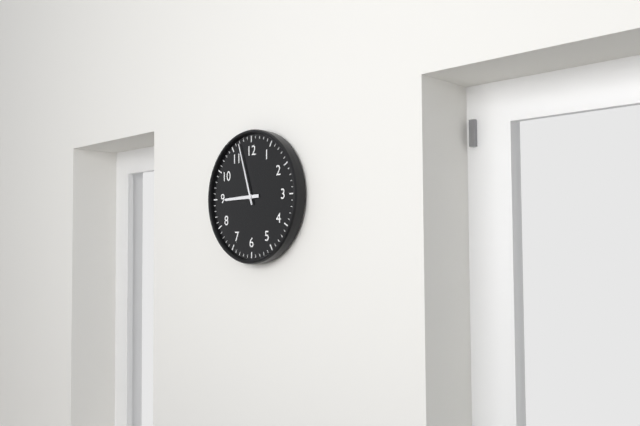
h=8 m=57
